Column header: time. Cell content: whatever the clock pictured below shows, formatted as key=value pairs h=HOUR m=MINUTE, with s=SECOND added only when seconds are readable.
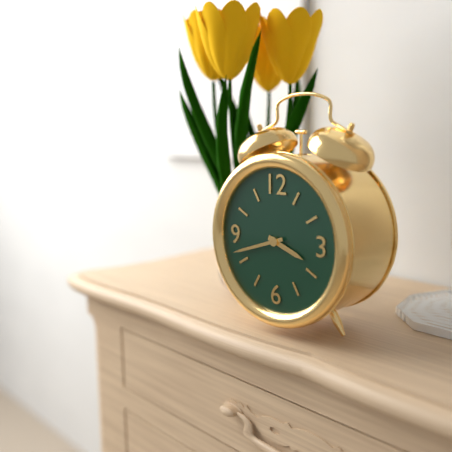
h=3 m=42
